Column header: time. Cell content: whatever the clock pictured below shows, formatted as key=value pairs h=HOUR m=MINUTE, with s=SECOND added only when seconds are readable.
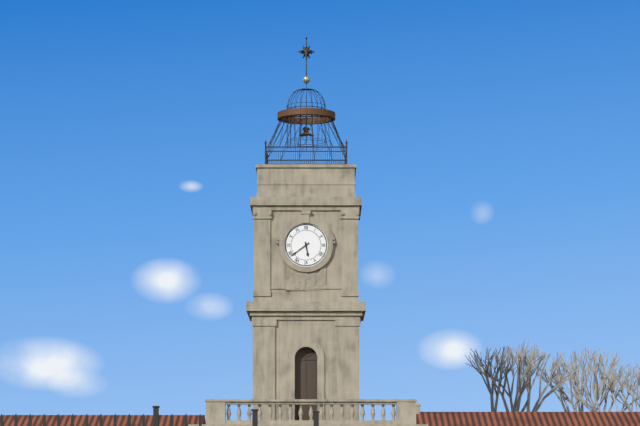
h=5 m=39
